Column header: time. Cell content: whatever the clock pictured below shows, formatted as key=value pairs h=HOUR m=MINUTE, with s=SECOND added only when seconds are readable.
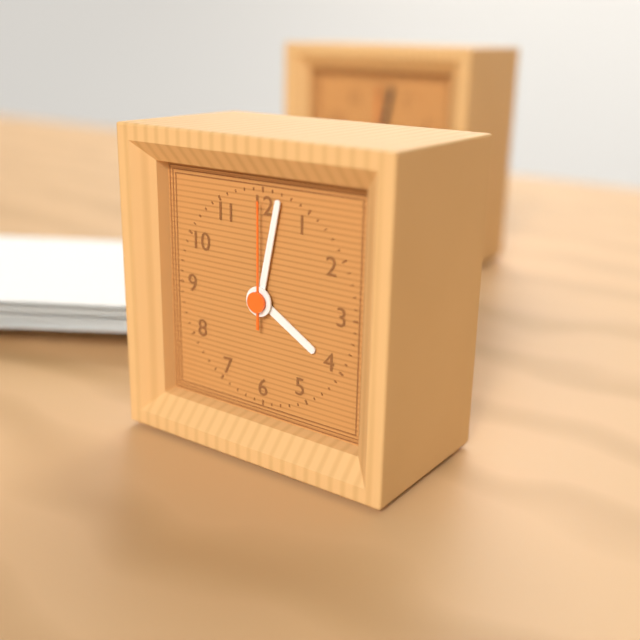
h=4 m=2 s=0
